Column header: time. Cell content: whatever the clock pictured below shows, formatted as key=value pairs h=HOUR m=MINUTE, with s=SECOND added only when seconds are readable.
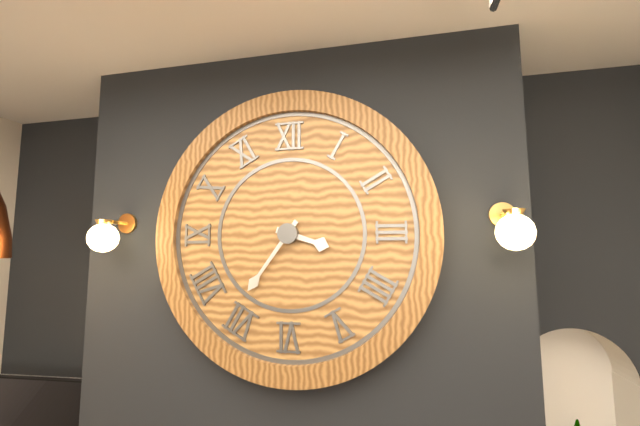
h=3 m=36
